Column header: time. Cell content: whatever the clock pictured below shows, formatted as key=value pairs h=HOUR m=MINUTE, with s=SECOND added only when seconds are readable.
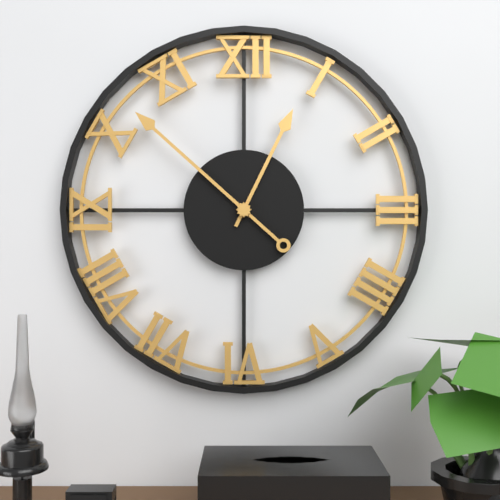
h=12 m=52
